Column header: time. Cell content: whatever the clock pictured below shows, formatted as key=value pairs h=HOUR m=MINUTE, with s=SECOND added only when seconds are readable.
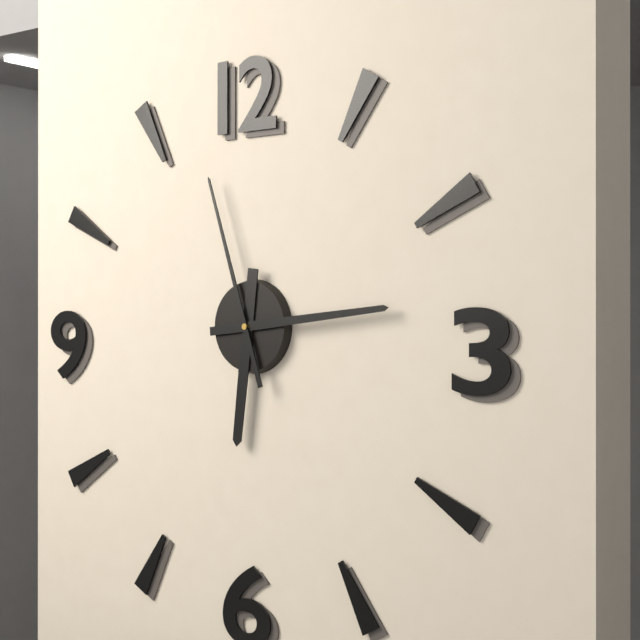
h=6 m=14 s=57
